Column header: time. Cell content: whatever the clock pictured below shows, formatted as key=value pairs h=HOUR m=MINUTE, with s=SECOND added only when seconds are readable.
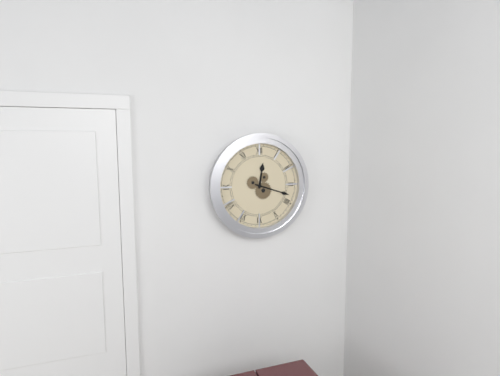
h=12 m=18
